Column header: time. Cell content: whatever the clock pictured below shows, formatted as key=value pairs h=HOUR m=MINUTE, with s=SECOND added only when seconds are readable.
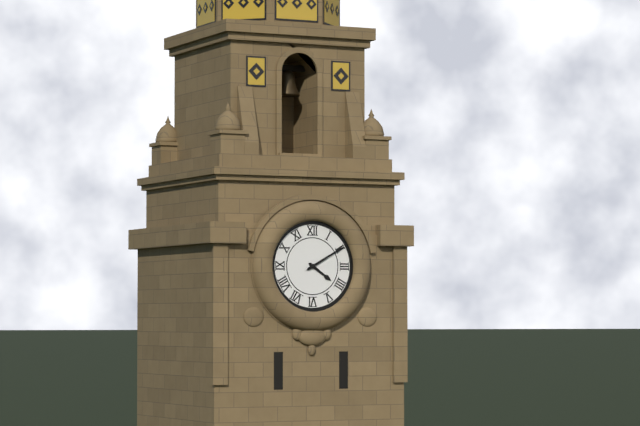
h=4 m=10
